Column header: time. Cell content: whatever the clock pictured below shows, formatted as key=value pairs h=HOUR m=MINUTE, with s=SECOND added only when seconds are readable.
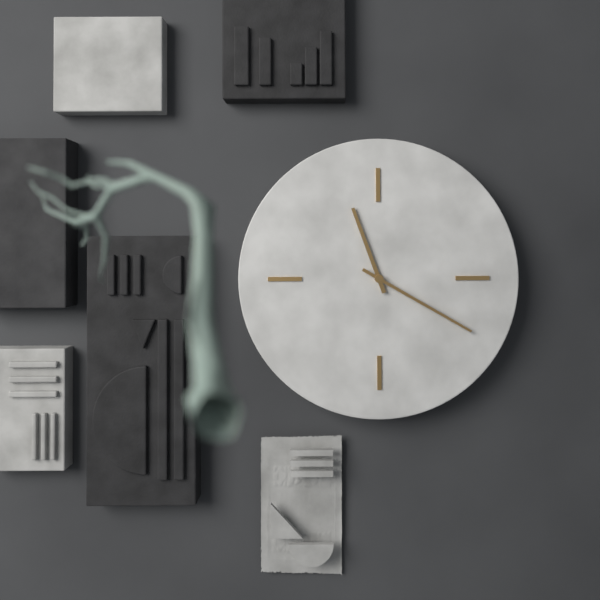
h=11 m=20
